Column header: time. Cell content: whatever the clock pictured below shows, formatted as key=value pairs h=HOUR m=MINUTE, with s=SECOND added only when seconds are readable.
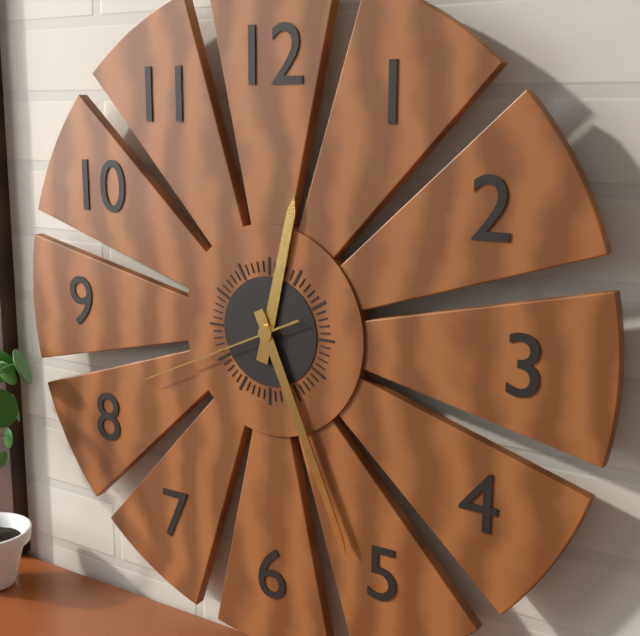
h=12 m=26 s=41
